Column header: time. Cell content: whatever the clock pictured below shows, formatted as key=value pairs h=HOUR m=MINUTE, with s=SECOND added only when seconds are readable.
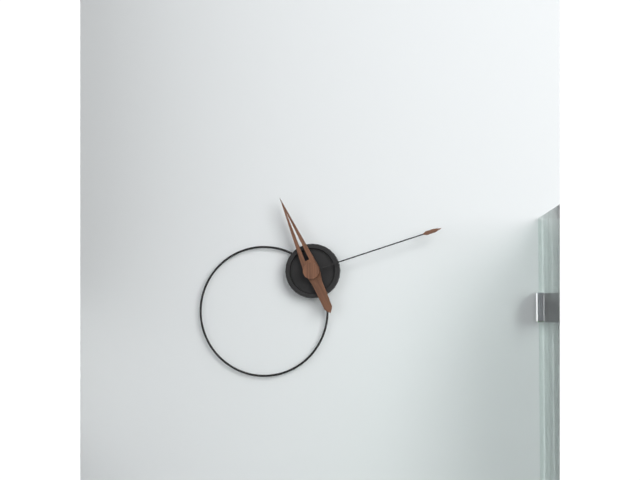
h=11 m=12
